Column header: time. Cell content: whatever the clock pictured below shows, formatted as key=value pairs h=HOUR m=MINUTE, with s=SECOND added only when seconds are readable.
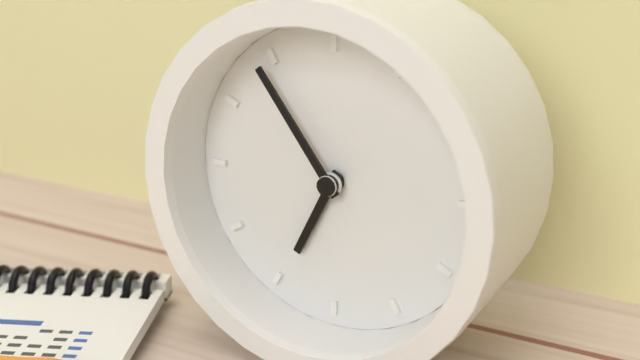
h=6 m=54
